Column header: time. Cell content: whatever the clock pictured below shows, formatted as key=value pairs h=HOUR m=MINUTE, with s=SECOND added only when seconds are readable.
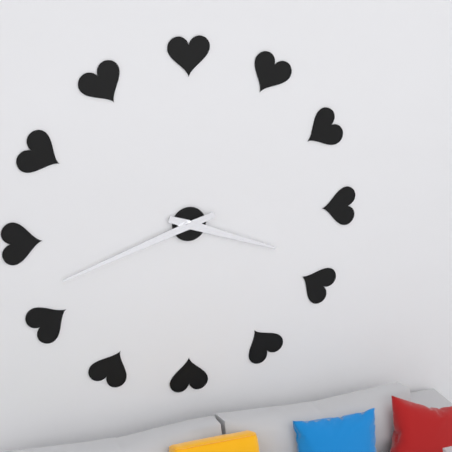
h=3 m=42
